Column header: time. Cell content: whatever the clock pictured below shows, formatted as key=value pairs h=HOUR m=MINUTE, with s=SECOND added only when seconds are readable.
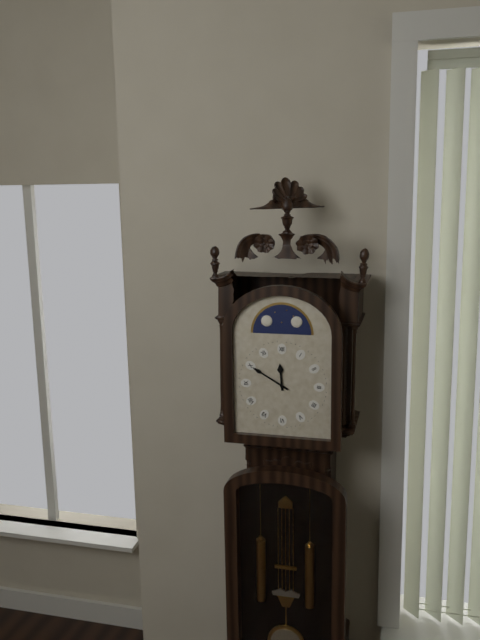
h=11 m=50
